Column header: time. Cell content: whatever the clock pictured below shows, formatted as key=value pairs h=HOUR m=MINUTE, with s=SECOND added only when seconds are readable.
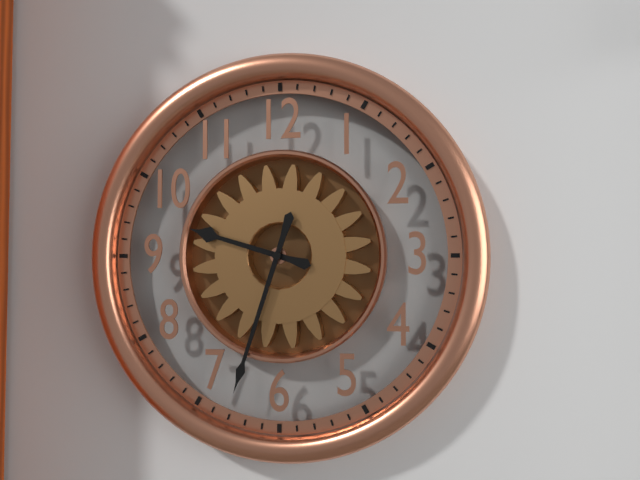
h=9 m=33
